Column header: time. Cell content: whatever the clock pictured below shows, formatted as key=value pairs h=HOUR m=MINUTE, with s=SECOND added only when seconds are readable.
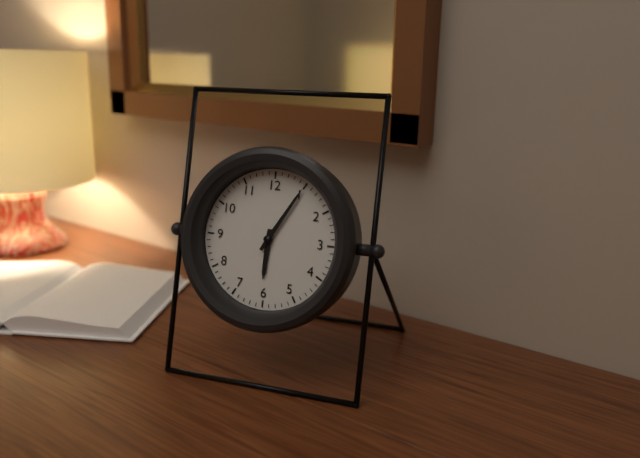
h=6 m=5
